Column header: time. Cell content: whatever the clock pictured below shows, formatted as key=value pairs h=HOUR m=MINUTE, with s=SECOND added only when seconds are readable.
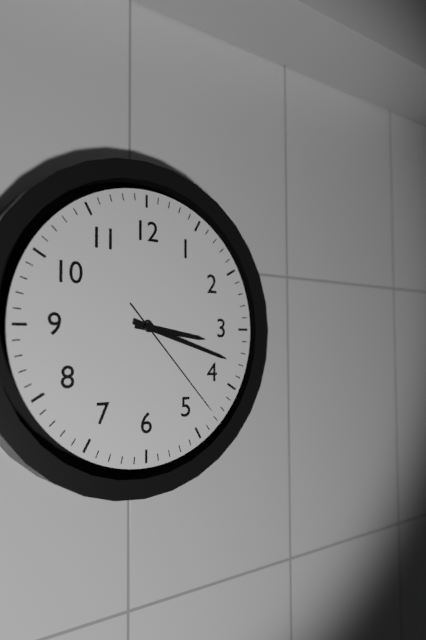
h=3 m=18 s=23
